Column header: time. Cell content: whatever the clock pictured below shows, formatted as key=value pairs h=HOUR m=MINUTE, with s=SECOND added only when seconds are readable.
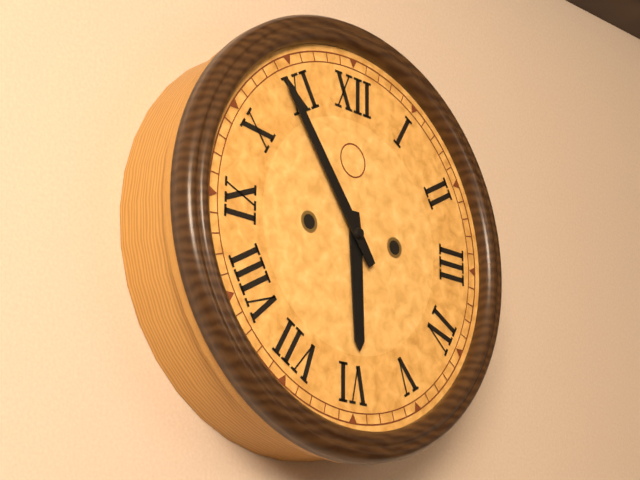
h=5 m=54
